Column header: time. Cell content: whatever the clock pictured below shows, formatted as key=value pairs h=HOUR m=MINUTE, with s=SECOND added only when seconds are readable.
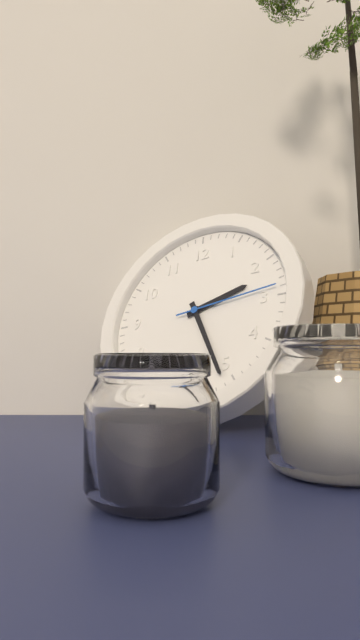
h=2 m=26 s=14
